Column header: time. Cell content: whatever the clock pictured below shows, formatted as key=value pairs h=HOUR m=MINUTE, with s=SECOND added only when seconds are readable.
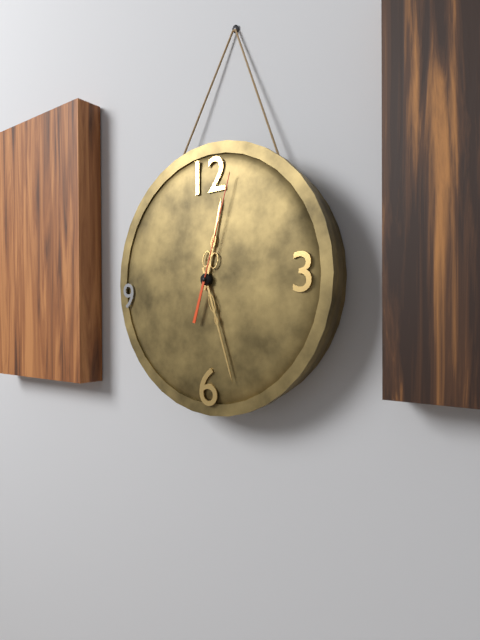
h=12 m=27 s=3
